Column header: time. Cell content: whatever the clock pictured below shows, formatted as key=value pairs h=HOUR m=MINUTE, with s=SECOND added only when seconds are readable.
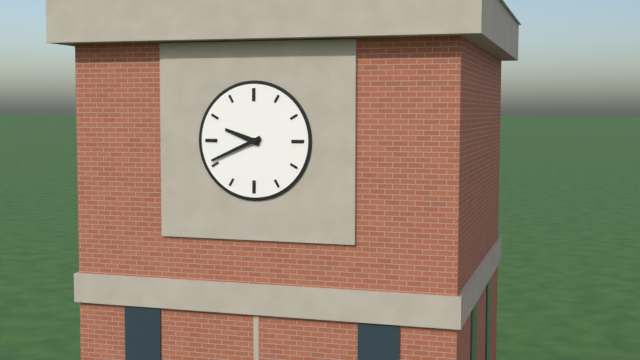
h=9 m=41
